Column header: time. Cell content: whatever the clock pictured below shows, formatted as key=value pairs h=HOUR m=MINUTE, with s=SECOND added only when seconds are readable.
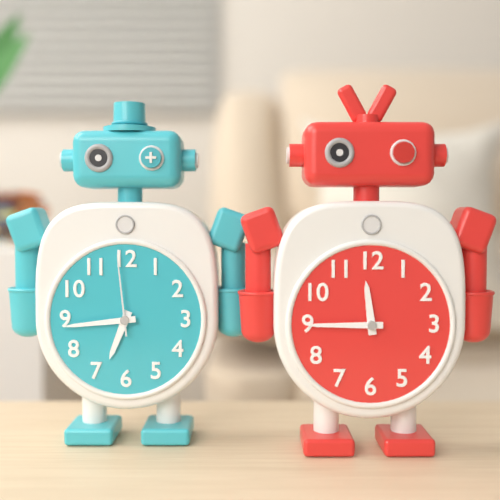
h=6 m=44 s=59
